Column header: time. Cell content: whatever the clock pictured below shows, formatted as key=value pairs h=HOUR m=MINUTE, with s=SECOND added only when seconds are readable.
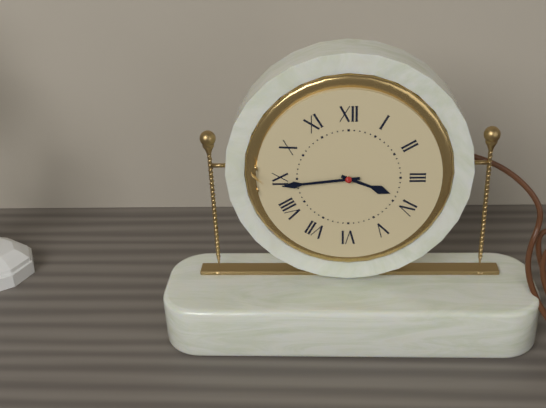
h=3 m=44
